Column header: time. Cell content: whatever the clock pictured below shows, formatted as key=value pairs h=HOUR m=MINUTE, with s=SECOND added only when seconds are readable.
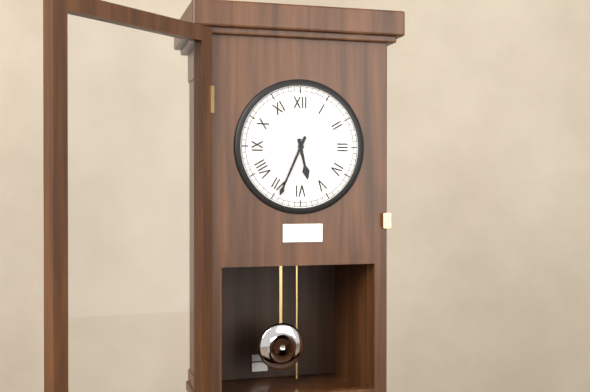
h=5 m=34
